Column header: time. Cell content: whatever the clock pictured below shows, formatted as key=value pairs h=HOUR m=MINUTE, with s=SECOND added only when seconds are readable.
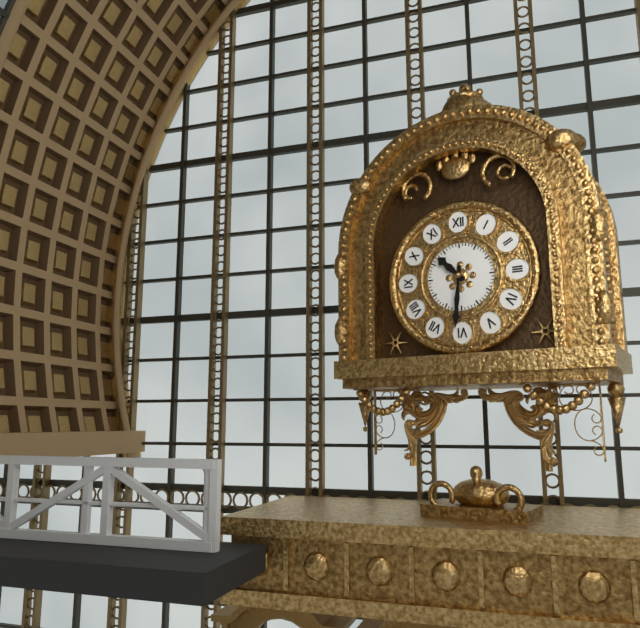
h=10 m=31
